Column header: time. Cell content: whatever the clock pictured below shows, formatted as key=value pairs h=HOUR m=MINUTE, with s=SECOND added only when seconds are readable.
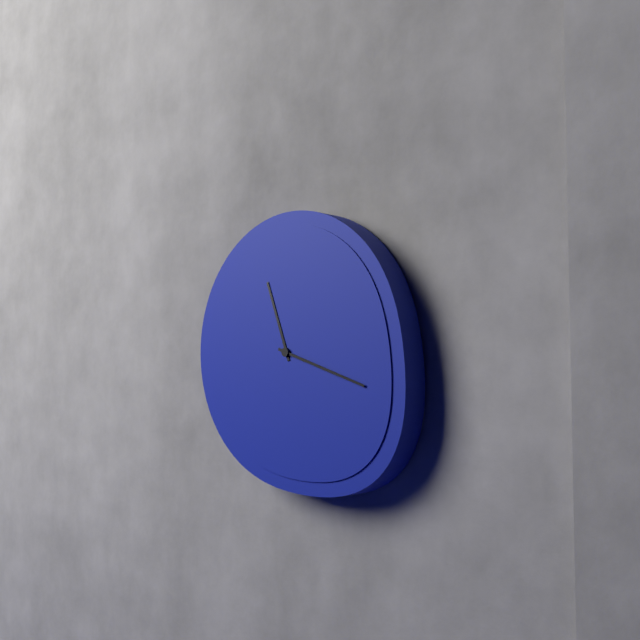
h=11 m=18
